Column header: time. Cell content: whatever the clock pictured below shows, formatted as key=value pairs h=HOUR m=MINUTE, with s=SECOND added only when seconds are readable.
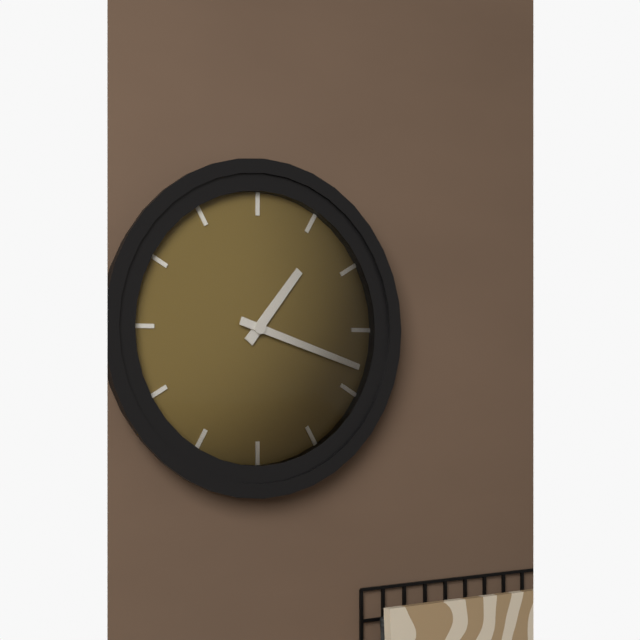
h=1 m=18
